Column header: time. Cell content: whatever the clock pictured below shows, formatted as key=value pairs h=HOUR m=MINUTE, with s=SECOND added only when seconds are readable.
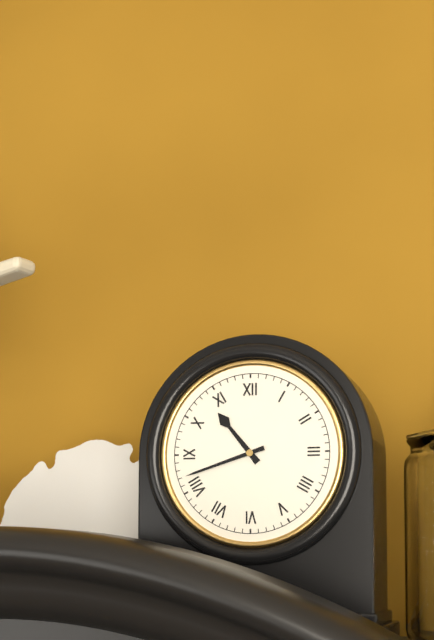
h=10 m=42
